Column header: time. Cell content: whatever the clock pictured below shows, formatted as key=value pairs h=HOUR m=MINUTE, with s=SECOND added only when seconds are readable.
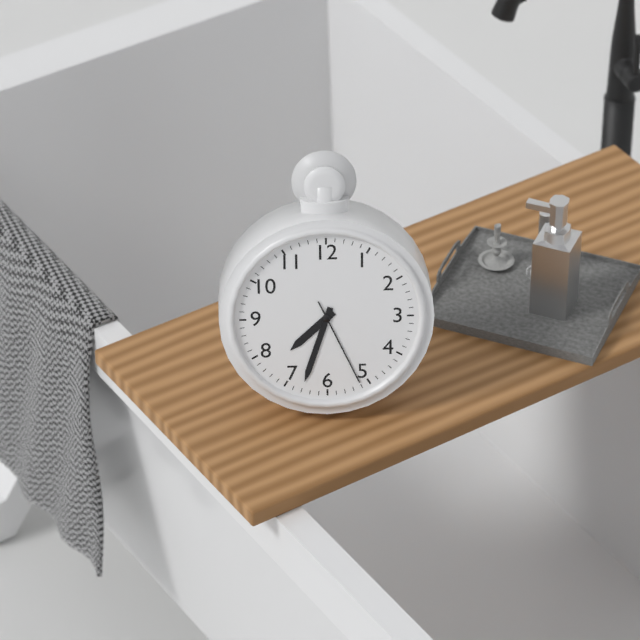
h=7 m=33 s=26
